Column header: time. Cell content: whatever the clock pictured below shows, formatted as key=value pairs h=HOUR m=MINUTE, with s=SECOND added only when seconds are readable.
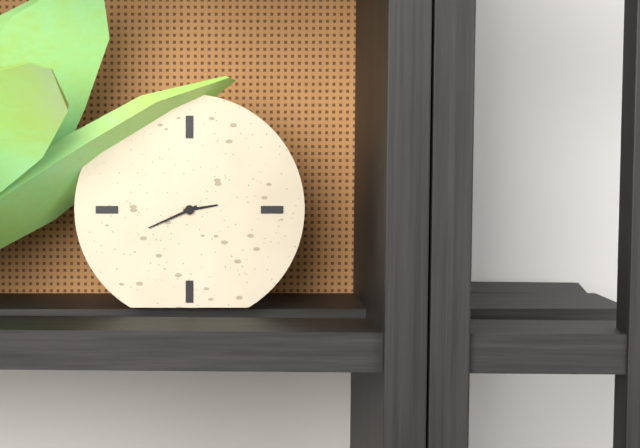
h=2 m=41
